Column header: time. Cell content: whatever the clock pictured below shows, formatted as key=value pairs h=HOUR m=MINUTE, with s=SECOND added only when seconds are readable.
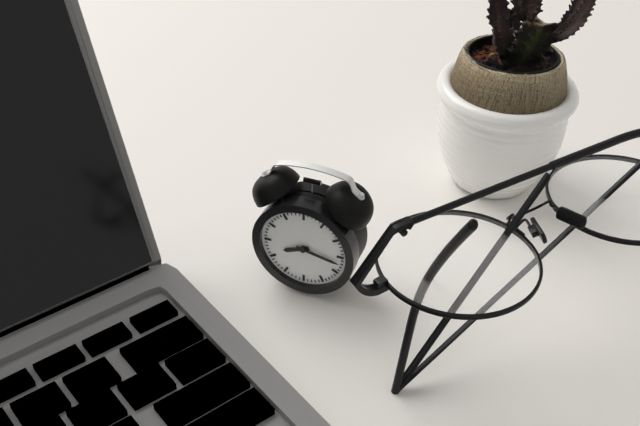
h=8 m=17
